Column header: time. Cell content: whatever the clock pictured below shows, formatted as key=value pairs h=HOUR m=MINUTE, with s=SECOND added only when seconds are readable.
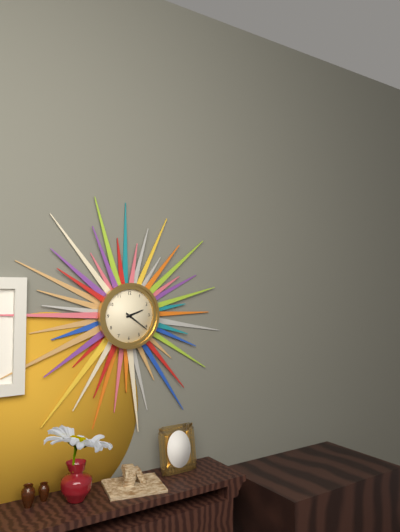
h=2 m=21
